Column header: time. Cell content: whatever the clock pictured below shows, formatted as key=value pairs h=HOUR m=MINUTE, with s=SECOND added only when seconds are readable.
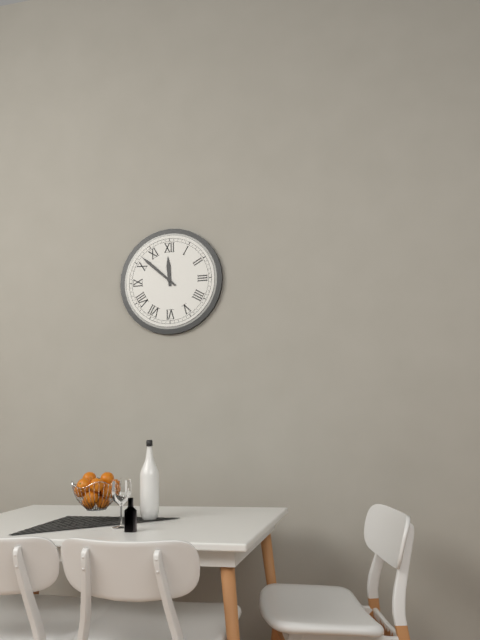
h=11 m=52
